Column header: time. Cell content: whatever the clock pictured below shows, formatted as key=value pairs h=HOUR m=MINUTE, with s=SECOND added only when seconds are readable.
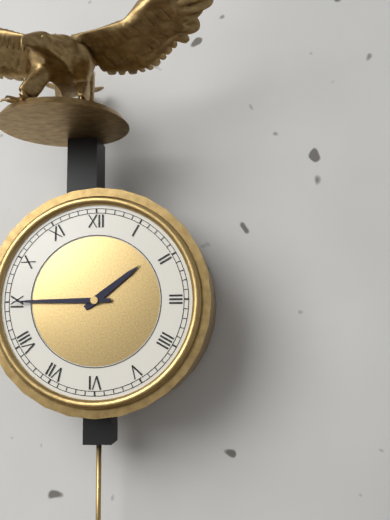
h=1 m=45
